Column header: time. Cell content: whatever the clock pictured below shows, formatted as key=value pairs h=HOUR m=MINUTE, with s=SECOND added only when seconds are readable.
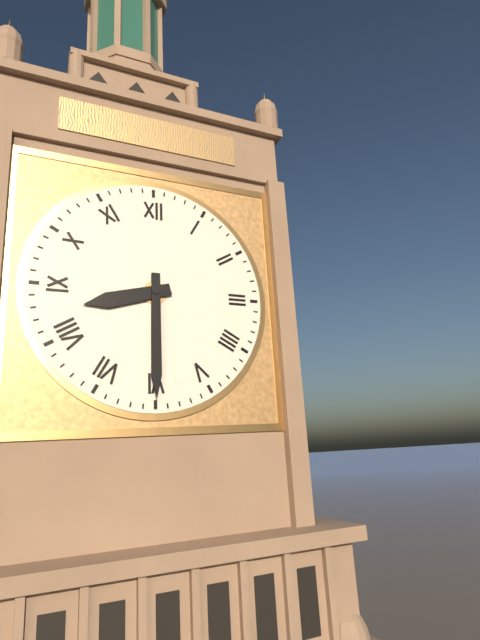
h=8 m=30
